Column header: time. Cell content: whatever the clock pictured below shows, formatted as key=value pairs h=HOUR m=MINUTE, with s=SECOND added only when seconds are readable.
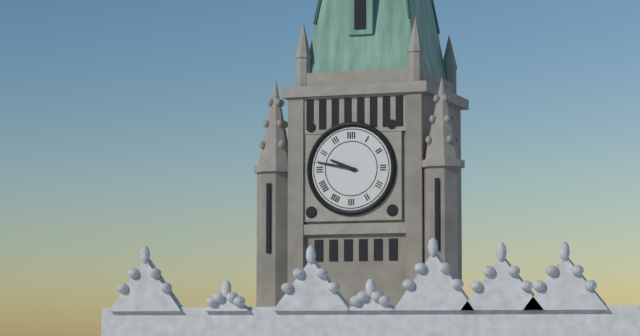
h=9 m=47
